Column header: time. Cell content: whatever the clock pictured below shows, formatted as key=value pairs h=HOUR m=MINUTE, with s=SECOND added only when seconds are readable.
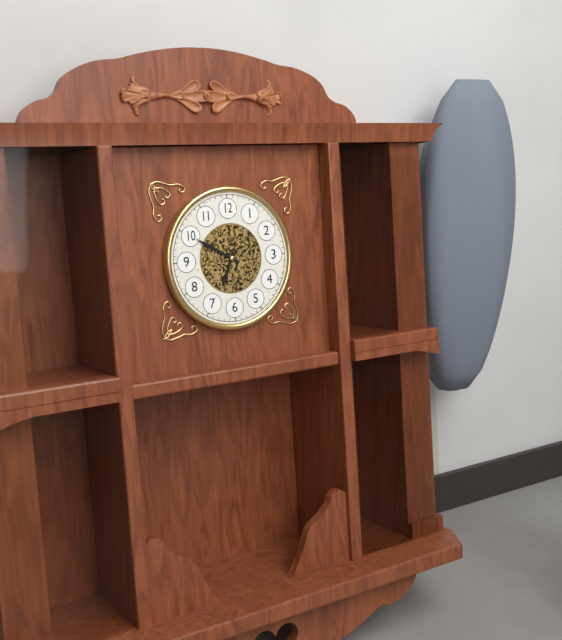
h=6 m=50
